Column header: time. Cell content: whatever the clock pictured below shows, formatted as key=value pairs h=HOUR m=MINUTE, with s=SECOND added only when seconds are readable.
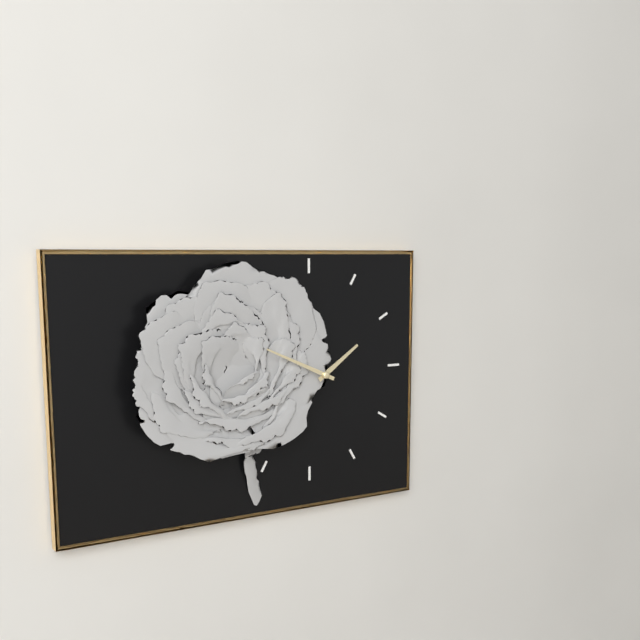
h=1 m=49
